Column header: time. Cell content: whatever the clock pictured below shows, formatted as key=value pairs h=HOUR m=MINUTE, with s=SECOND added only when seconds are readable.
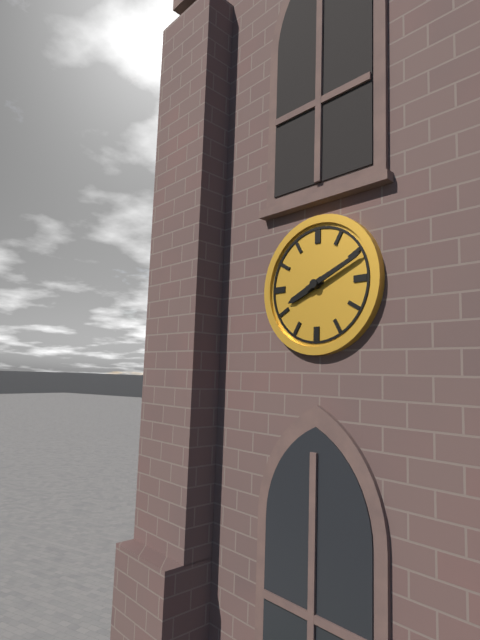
h=8 m=11
